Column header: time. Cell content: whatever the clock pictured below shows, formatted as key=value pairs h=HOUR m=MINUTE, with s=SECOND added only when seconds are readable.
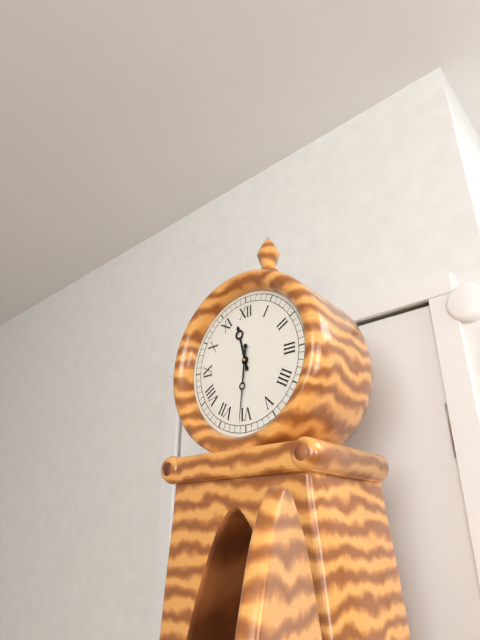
h=11 m=31
